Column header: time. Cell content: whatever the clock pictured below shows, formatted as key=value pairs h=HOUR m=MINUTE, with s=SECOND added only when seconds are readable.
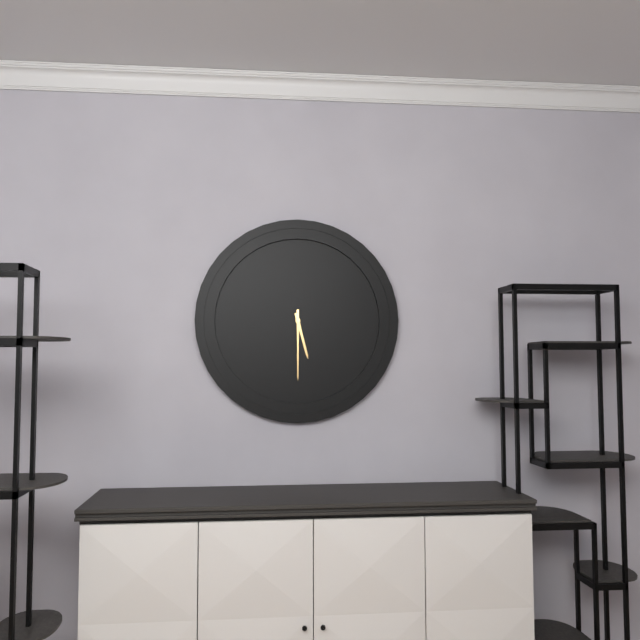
h=5 m=30
